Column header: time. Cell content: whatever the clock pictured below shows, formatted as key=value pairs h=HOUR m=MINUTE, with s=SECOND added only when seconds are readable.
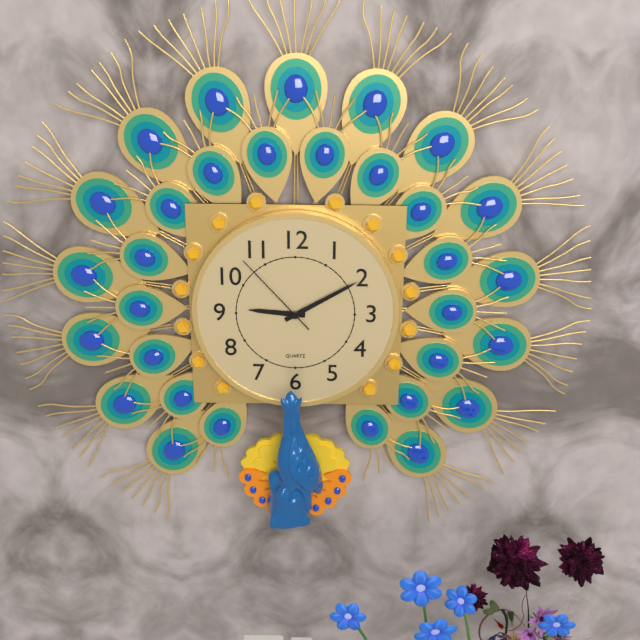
h=9 m=10 s=53
